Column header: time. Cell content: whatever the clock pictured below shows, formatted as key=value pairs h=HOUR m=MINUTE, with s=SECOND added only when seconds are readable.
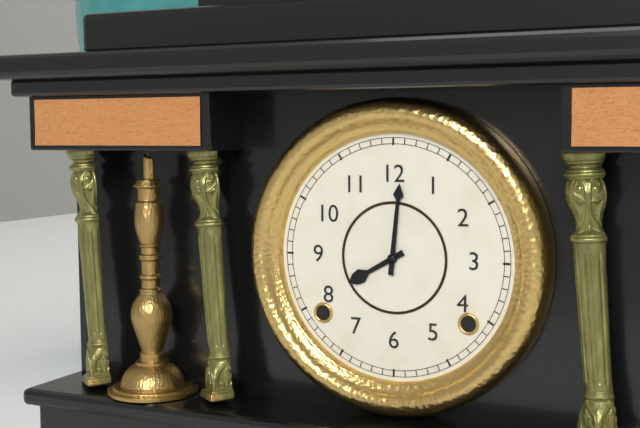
h=8 m=1
